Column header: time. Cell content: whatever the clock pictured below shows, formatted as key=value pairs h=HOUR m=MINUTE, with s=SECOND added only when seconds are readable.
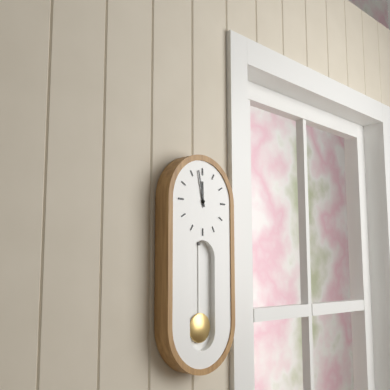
h=11 m=58
